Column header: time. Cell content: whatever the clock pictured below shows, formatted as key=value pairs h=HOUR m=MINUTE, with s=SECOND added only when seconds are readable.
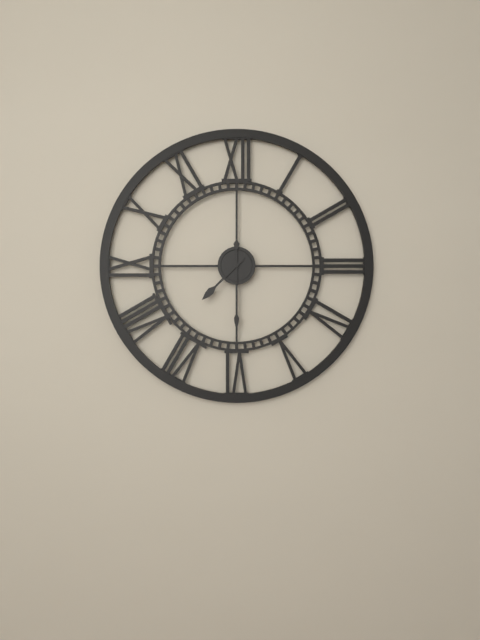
h=7 m=30
